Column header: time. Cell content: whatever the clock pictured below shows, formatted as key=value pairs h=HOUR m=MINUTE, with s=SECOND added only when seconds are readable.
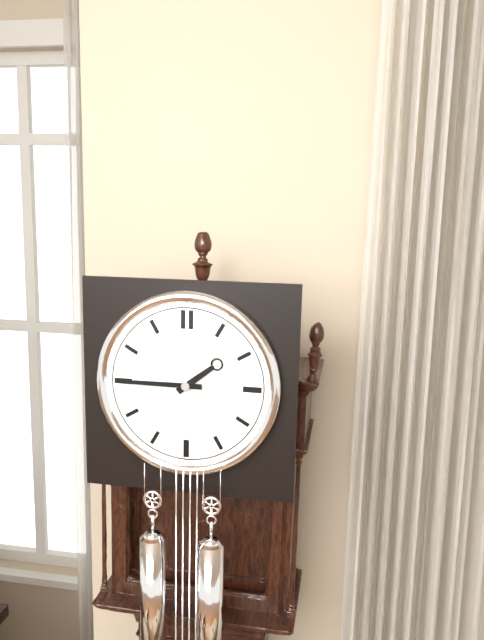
h=1 m=45
